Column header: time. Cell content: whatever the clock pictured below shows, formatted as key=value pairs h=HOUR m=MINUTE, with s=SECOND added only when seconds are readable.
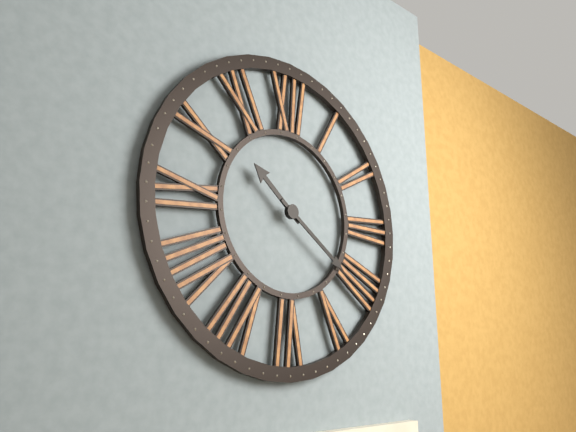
h=10 m=21
